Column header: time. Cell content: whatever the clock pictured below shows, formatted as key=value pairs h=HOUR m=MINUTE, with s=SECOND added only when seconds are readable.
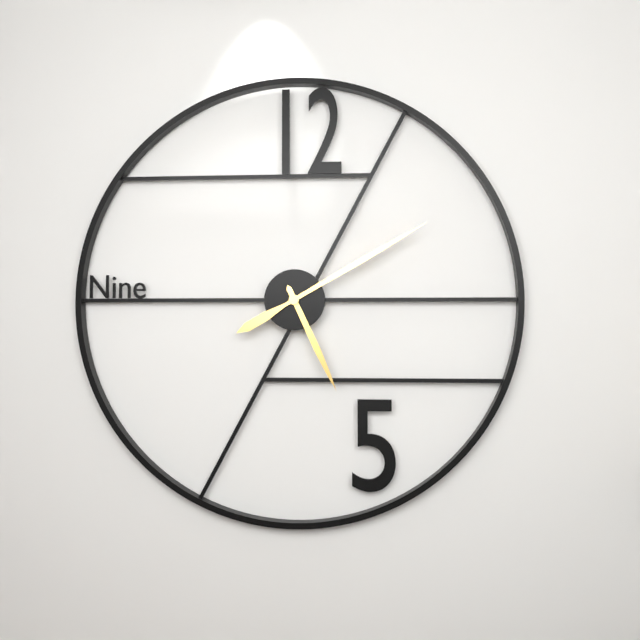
h=5 m=10
